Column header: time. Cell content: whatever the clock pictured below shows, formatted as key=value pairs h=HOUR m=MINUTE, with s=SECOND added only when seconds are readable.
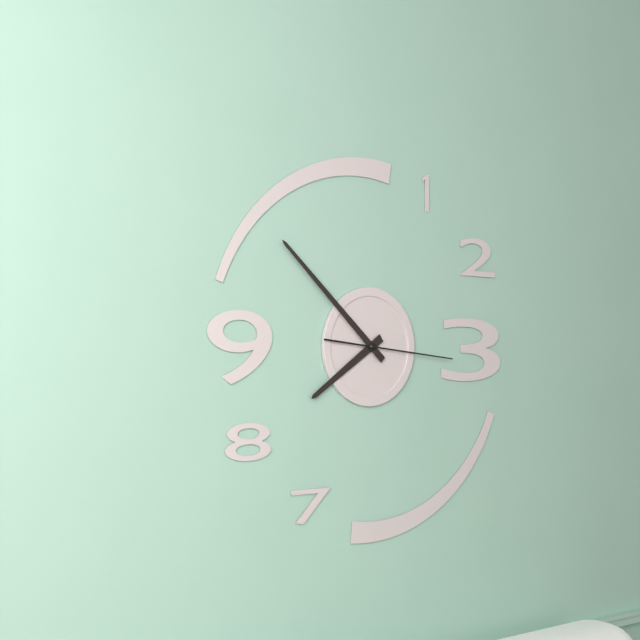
h=7 m=52 s=16
